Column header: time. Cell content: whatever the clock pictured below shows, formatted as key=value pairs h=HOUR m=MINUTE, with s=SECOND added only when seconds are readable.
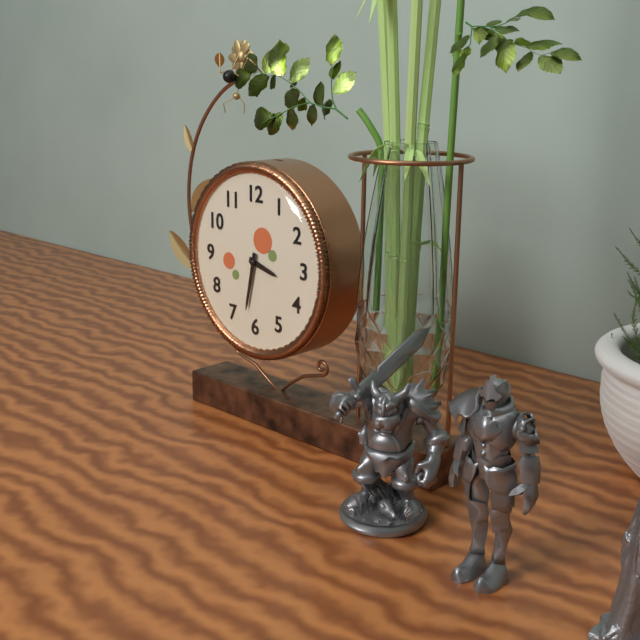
h=3 m=32
